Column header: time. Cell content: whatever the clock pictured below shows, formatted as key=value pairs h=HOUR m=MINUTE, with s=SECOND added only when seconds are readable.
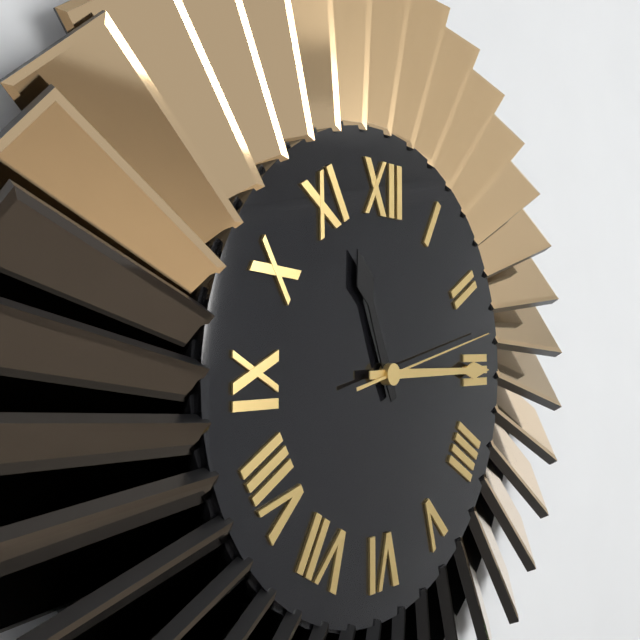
h=11 m=15 s=13
